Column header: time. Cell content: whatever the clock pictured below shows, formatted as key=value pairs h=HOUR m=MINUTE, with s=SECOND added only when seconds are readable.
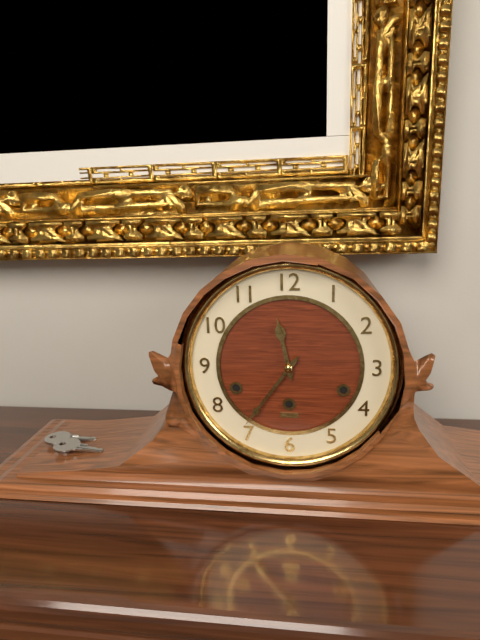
h=11 m=36
